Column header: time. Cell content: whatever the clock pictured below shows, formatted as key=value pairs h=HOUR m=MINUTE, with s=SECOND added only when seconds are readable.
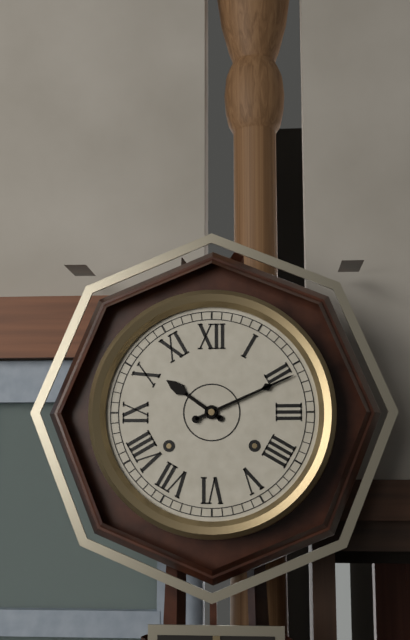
h=10 m=11
